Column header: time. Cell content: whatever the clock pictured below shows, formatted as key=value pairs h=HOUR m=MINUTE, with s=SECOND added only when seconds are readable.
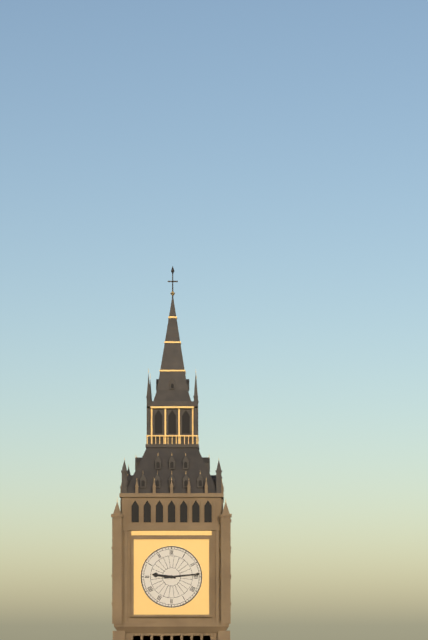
h=9 m=14
